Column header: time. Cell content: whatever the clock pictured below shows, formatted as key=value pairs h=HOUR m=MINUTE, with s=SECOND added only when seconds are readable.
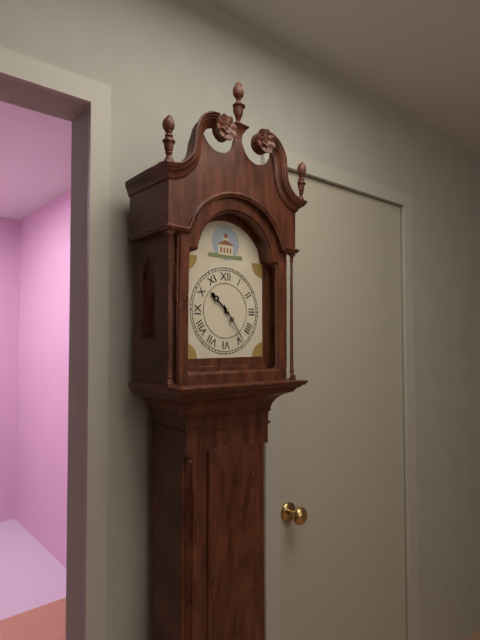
h=10 m=24
